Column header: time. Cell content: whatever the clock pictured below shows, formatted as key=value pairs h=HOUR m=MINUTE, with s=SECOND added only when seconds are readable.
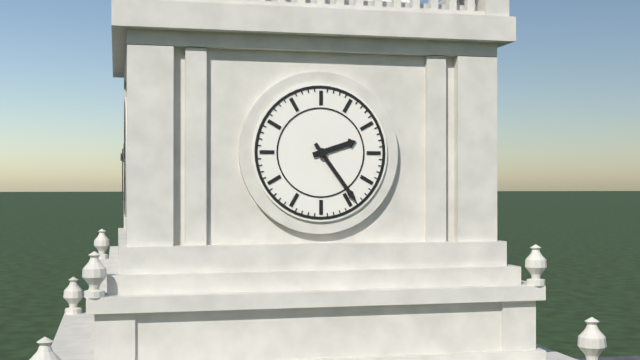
h=2 m=24
